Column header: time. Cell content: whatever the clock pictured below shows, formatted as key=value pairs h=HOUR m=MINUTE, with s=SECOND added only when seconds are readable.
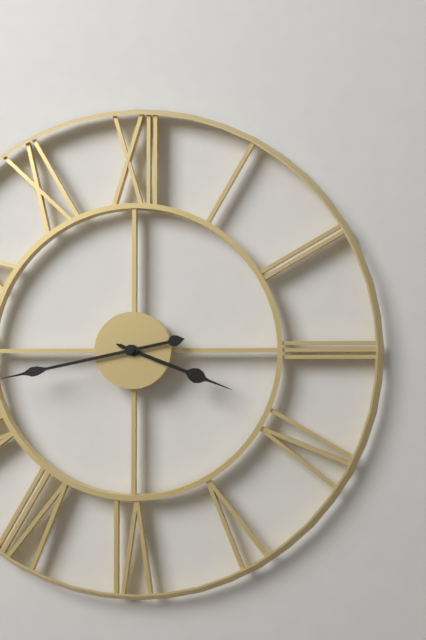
h=3 m=43
